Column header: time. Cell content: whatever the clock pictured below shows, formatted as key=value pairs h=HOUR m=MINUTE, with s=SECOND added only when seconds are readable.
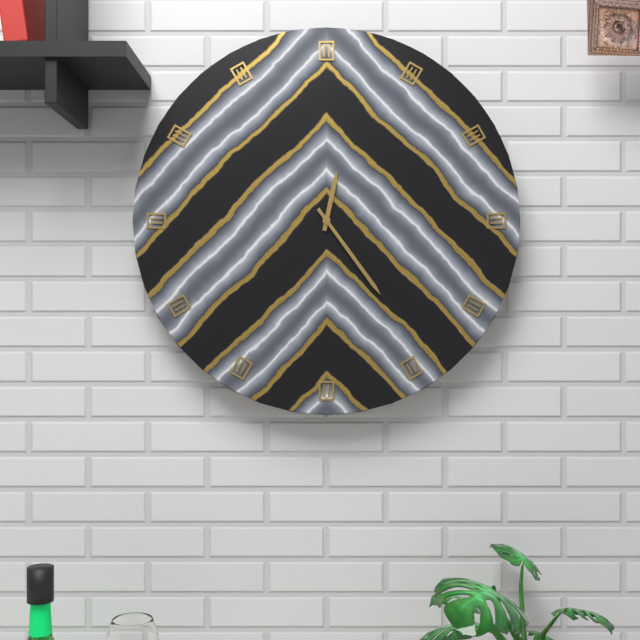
h=12 m=24
